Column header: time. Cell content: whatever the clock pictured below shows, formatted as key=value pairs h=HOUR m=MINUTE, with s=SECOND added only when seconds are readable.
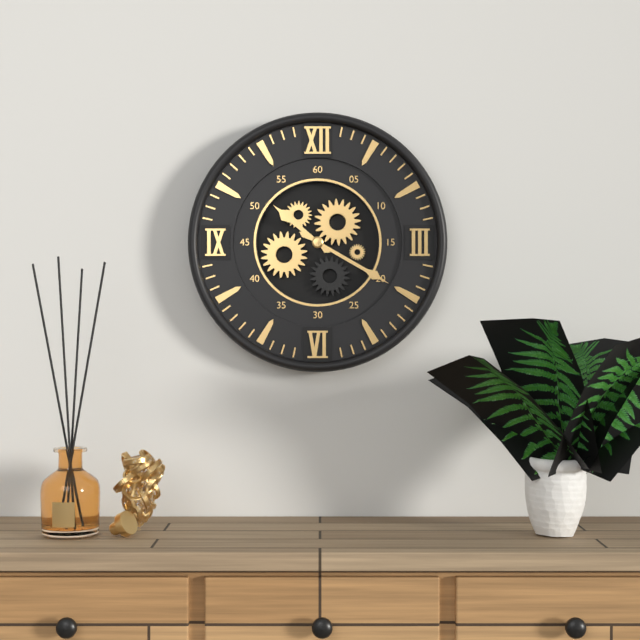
h=10 m=20
